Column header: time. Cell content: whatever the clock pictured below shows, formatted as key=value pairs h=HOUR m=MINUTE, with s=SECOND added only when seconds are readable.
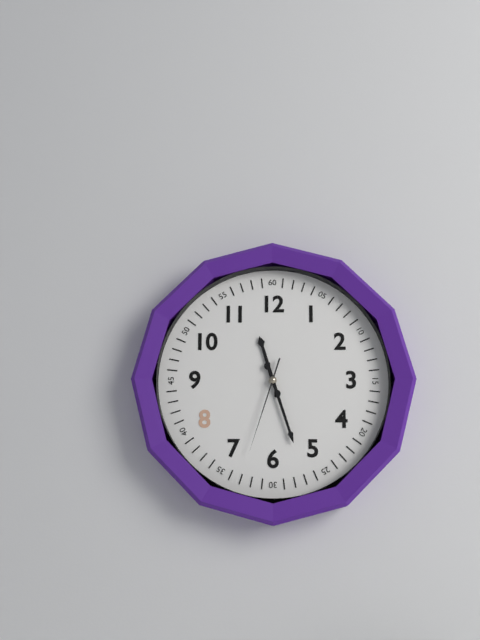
h=11 m=27 s=33
